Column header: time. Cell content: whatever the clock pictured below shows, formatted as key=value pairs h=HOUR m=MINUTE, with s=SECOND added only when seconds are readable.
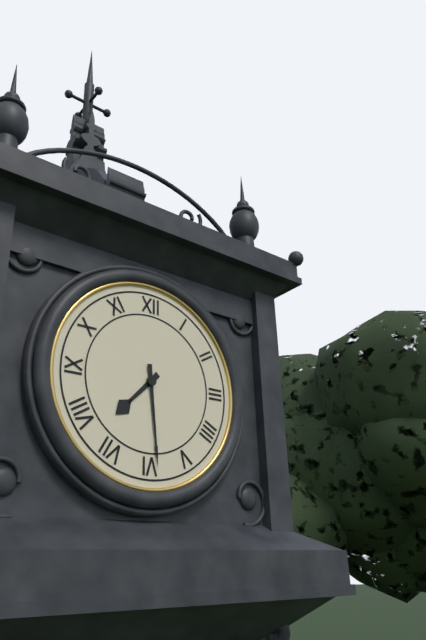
h=7 m=29
